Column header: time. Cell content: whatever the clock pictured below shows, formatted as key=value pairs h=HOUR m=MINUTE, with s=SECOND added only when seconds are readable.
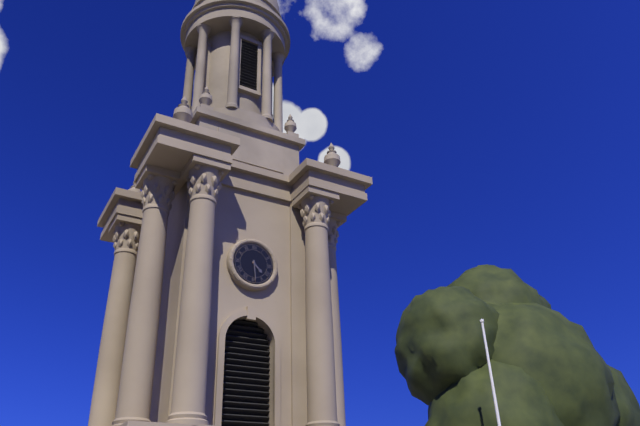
h=4 m=29
